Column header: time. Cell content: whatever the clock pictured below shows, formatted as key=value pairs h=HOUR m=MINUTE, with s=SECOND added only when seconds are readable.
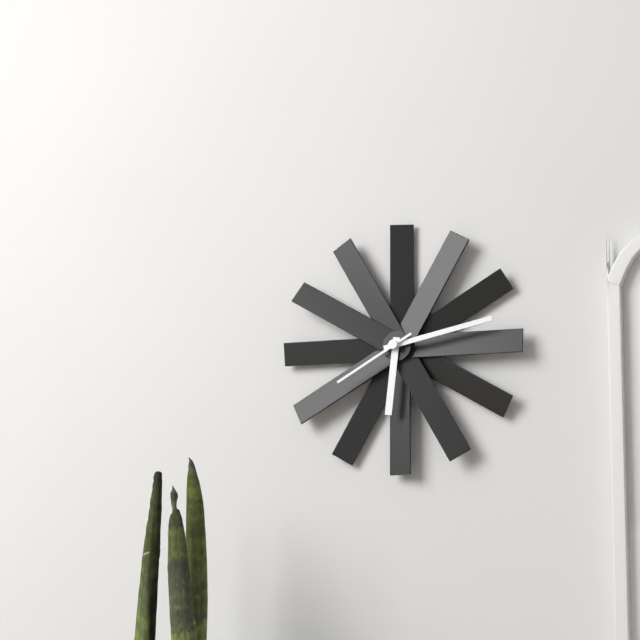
h=6 m=13 s=40
